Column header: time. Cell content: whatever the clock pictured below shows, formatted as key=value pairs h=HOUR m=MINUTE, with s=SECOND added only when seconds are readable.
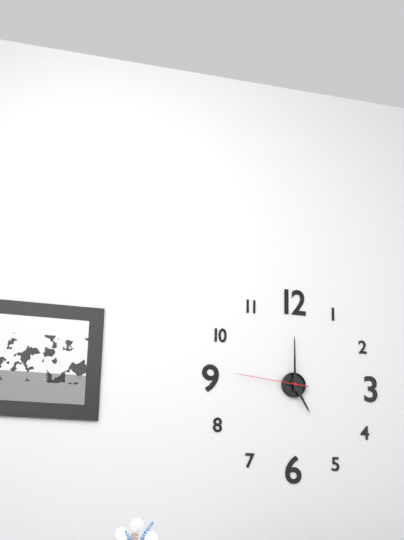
h=5 m=0 s=46
